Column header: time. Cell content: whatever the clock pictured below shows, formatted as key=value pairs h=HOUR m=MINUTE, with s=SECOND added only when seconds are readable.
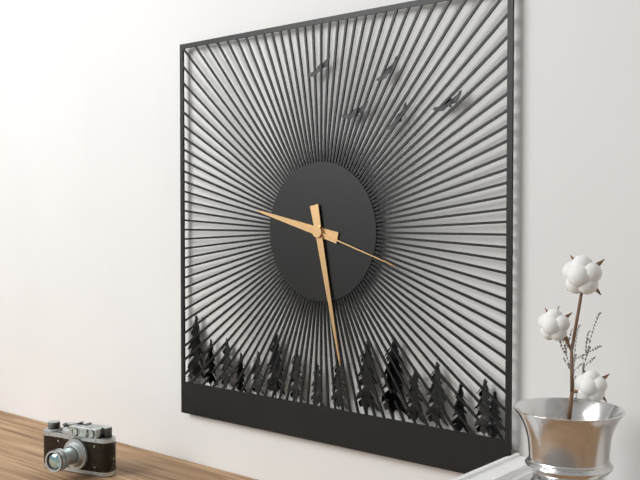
h=9 m=28 s=18
